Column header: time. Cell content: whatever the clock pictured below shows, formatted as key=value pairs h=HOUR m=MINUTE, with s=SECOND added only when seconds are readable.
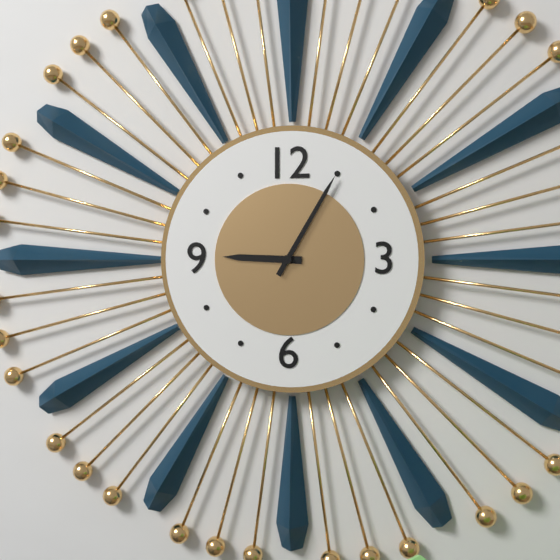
h=9 m=5
